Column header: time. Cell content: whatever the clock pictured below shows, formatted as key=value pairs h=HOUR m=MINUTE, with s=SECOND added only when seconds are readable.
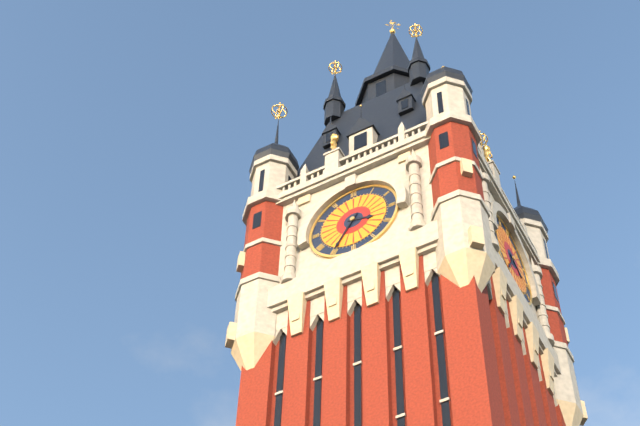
h=3 m=35
